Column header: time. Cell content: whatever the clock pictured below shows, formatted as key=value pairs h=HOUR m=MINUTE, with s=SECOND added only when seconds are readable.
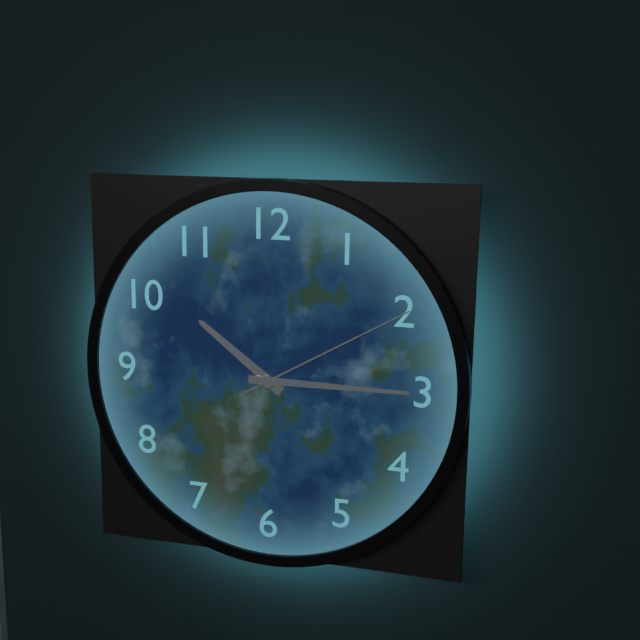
h=10 m=15 s=10
